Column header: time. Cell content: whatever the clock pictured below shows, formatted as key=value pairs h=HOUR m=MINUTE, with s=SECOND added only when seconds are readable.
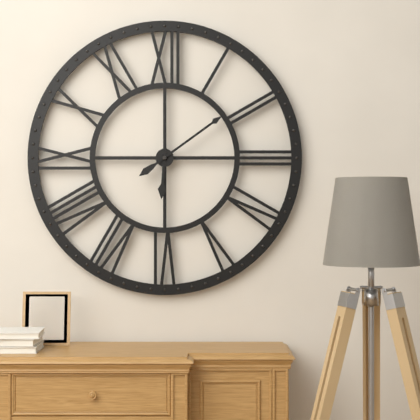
h=6 m=9
